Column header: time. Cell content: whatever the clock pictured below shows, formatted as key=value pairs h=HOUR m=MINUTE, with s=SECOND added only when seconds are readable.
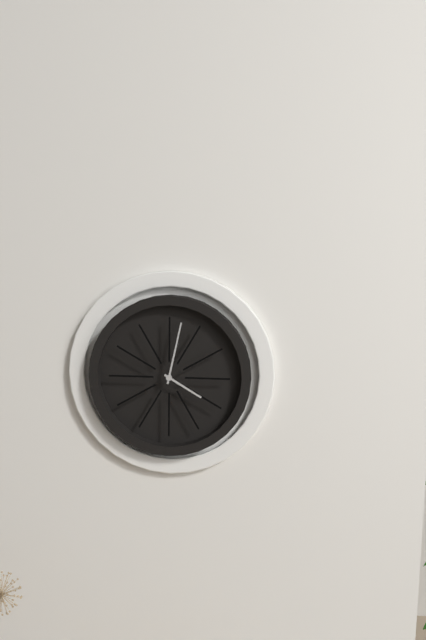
h=4 m=2
